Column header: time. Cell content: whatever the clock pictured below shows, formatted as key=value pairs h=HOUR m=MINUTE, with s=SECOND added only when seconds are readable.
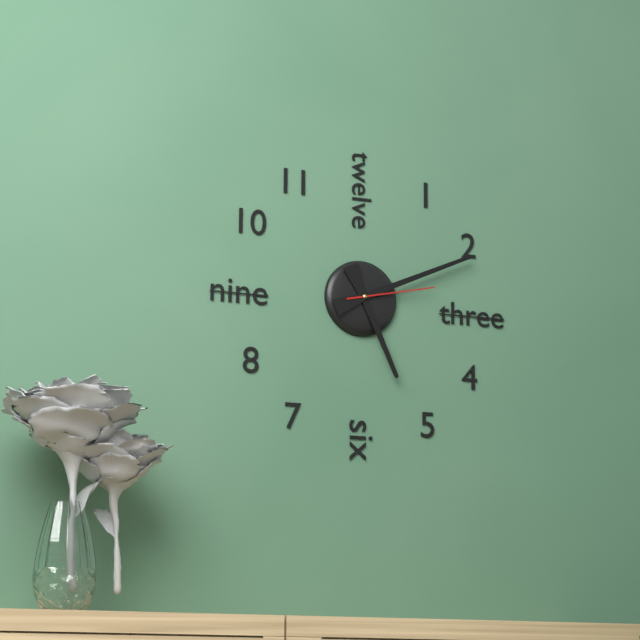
h=5 m=11 s=13
